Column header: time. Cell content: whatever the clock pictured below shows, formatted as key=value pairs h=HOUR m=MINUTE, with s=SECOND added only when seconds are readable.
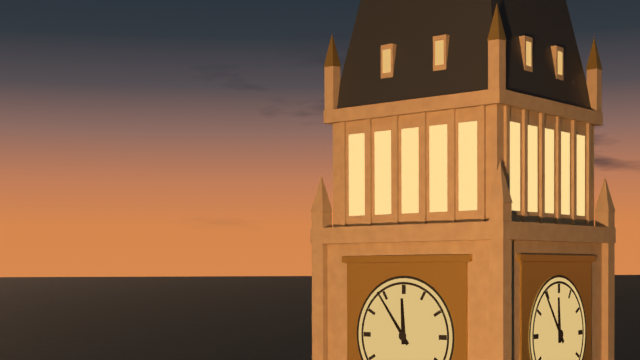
h=11 m=54
